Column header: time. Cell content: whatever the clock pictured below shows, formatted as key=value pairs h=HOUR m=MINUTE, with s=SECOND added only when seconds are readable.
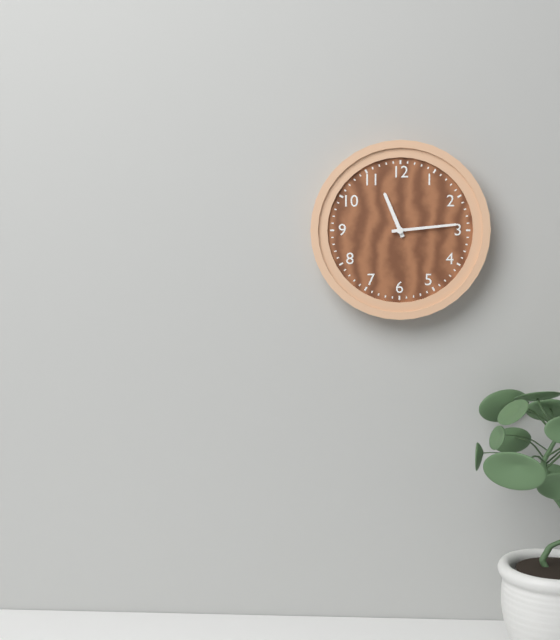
h=11 m=14
